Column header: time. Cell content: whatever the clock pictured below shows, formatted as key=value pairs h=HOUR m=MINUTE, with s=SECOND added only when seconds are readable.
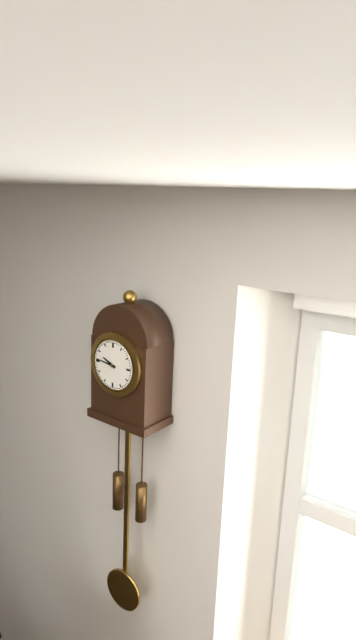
h=9 m=46
